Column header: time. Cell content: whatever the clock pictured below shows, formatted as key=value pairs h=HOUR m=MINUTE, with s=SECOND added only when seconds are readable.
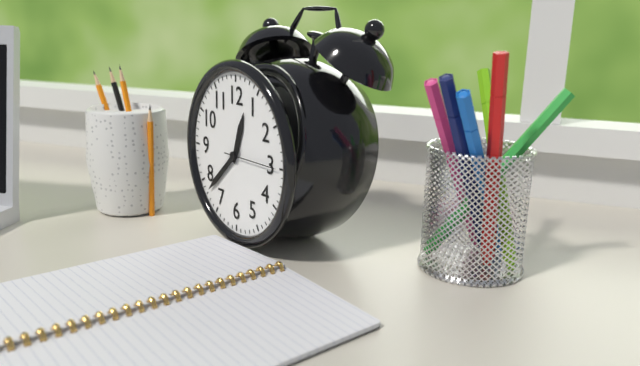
h=12 m=38 s=15
